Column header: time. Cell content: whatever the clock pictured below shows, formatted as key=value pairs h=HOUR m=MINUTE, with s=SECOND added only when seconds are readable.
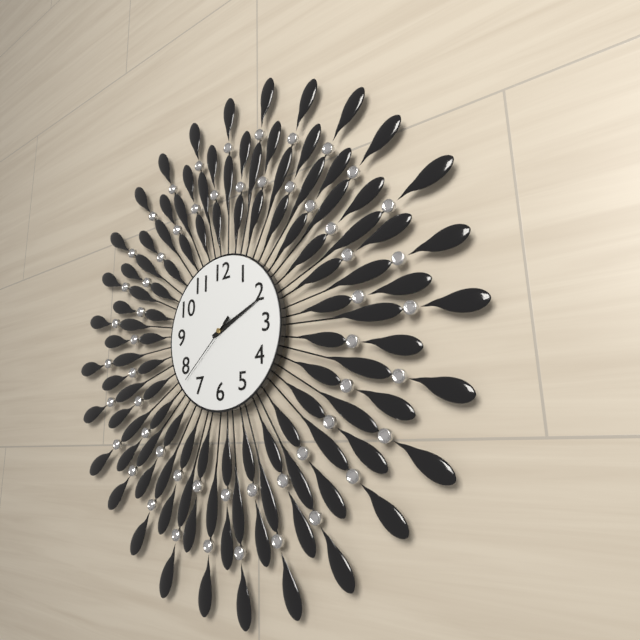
h=2 m=11 s=38
